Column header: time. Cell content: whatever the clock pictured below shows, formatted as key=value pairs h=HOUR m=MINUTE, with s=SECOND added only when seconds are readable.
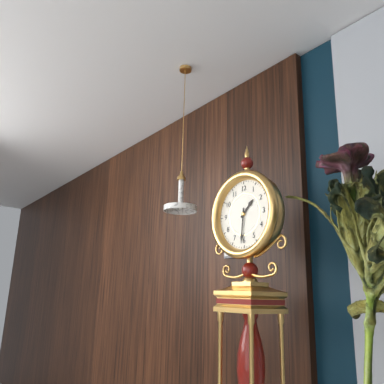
h=1 m=31
